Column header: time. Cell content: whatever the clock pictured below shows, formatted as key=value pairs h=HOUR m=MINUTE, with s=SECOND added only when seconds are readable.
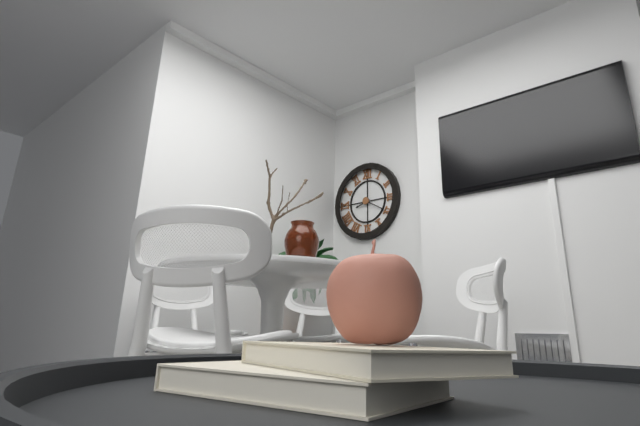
h=8 m=20
